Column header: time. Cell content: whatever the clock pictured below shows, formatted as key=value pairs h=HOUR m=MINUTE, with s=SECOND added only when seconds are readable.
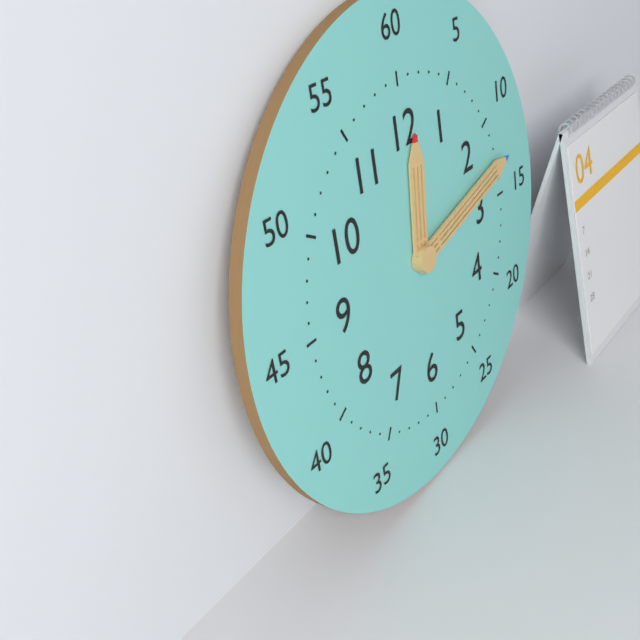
h=12 m=13
